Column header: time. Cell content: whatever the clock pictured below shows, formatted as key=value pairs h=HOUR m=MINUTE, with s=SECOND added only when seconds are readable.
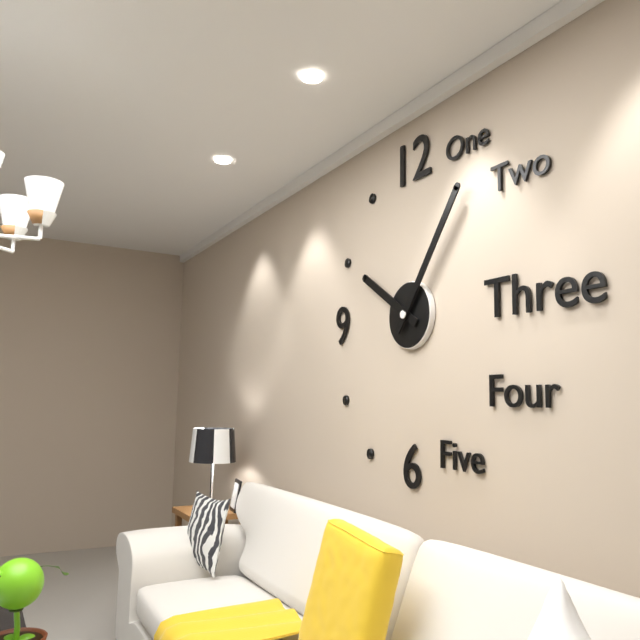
h=10 m=6
